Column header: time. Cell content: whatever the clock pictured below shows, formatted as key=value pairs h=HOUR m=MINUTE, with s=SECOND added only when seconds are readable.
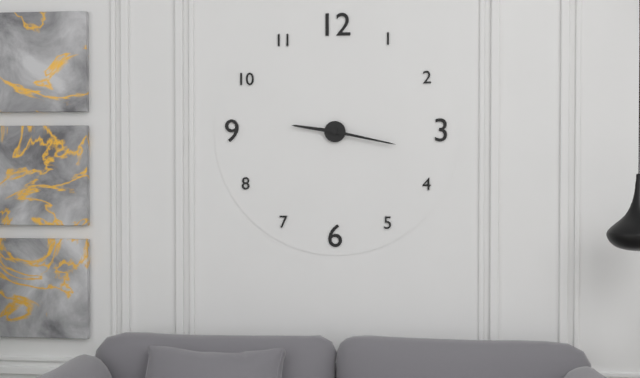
h=9 m=17
